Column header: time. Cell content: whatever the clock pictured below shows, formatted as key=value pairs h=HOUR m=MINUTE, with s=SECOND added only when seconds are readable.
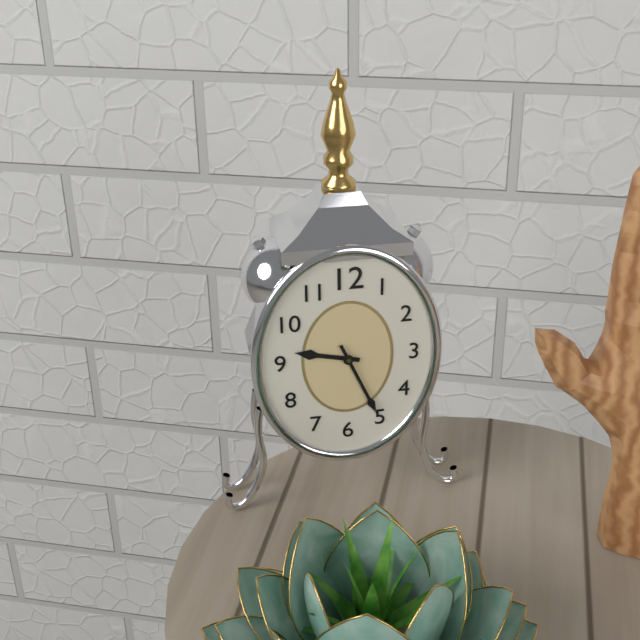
h=9 m=26
